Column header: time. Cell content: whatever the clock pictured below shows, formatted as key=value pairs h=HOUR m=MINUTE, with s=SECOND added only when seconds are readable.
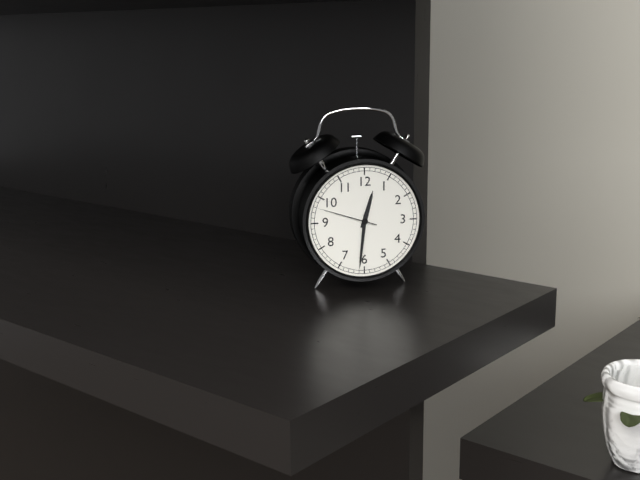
h=12 m=31 s=48
